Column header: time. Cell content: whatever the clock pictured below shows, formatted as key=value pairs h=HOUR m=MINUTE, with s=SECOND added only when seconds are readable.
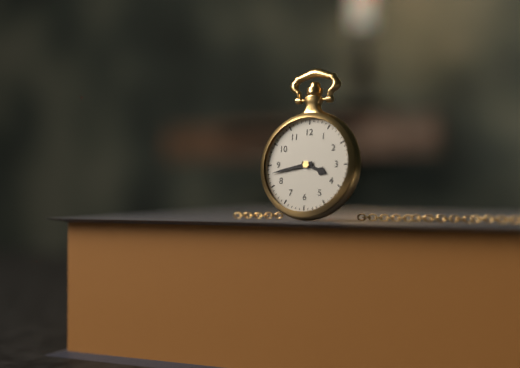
h=3 m=43
